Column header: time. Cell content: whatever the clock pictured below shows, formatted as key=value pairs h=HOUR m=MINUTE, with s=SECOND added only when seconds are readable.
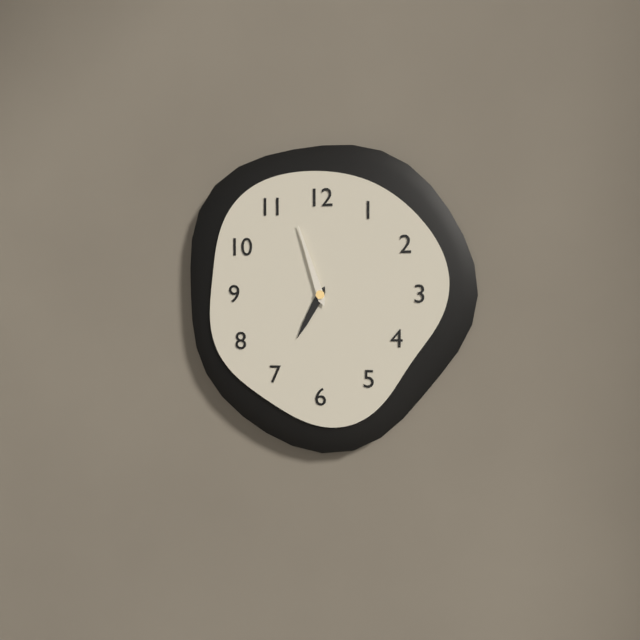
h=6 m=57
